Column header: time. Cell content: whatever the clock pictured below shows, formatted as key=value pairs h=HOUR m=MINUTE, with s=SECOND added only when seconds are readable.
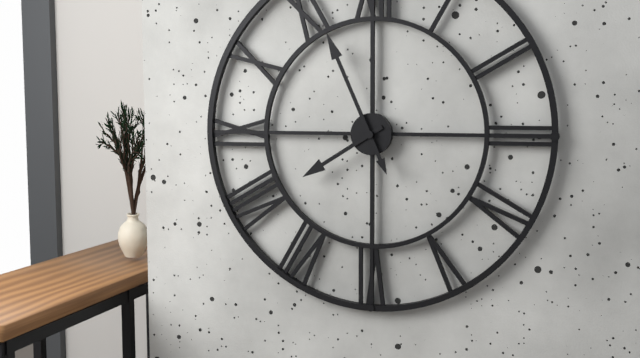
h=7 m=56
